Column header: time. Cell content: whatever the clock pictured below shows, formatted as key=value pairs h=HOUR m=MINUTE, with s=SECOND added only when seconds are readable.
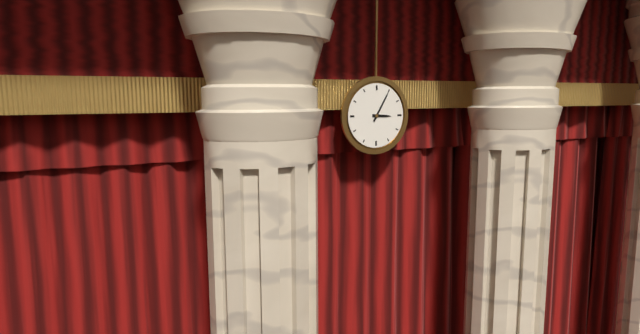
h=3 m=5
